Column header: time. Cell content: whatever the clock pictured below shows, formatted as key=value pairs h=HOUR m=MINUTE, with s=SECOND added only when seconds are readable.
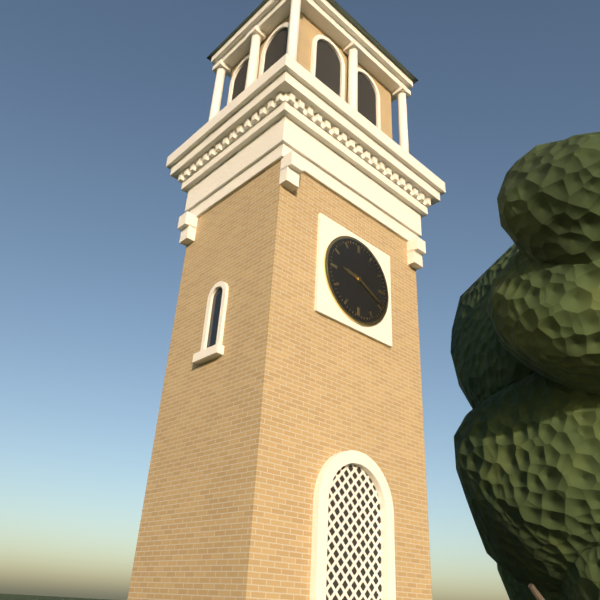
h=9 m=19
